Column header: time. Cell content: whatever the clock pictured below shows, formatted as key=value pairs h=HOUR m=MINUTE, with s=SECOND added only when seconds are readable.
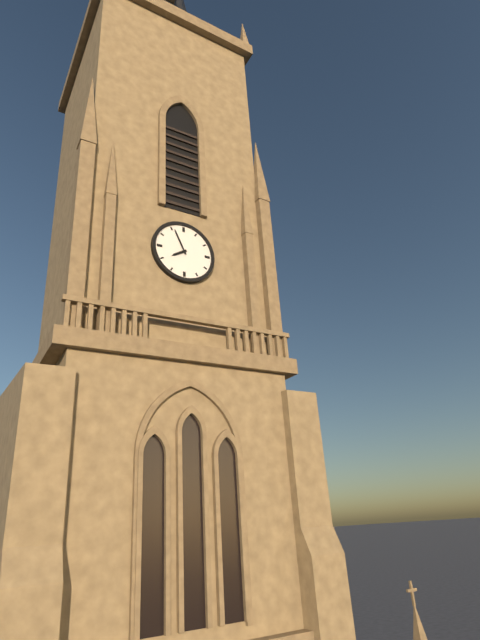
h=7 m=56
